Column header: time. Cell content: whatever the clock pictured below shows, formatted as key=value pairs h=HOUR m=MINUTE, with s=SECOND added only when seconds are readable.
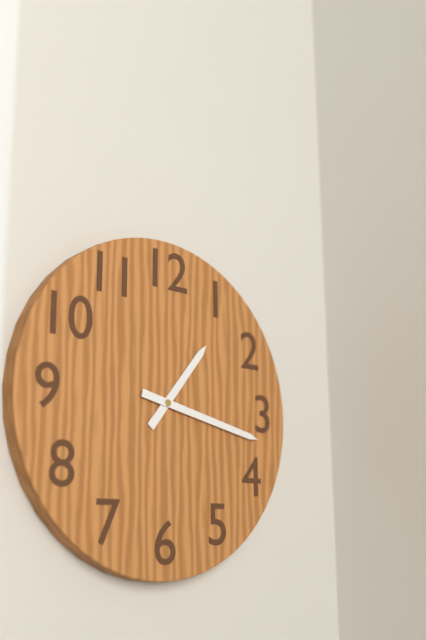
h=1 m=17
